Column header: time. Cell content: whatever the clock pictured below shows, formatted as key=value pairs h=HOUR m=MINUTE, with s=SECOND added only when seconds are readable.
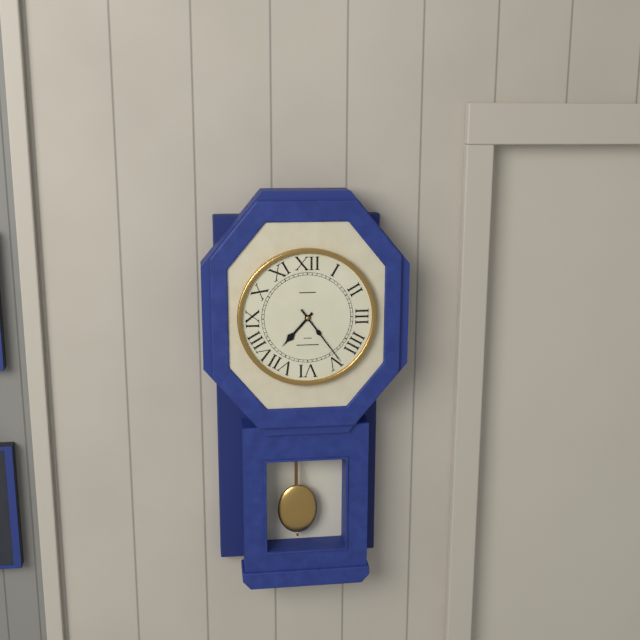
h=7 m=24
